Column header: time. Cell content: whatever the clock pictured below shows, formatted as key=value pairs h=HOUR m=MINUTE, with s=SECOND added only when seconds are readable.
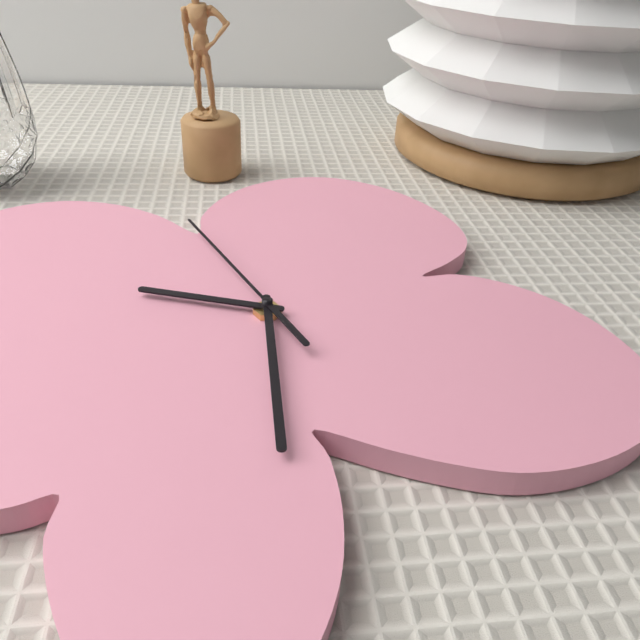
h=10 m=35 s=1
